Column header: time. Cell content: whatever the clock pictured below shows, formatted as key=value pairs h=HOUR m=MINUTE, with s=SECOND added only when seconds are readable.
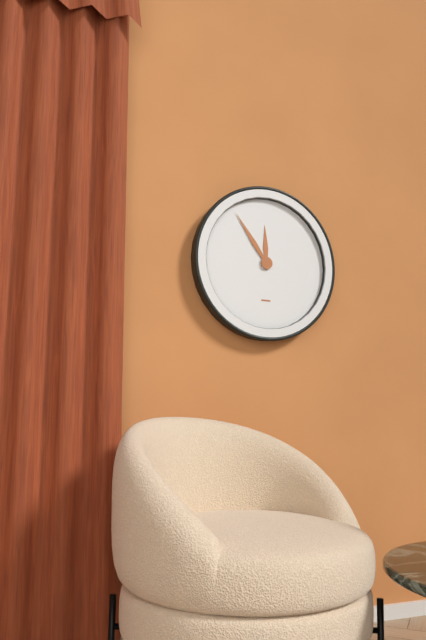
h=11 m=54
